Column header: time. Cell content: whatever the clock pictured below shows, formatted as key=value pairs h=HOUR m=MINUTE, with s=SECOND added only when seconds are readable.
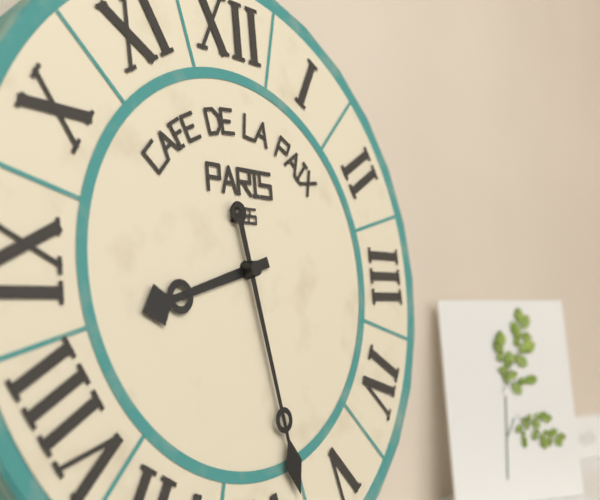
h=8 m=28
